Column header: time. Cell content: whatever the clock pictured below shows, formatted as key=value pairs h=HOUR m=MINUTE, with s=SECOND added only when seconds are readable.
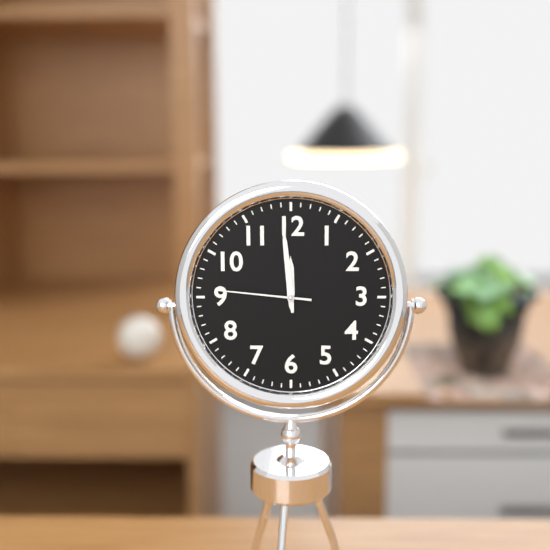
h=11 m=59 s=46
